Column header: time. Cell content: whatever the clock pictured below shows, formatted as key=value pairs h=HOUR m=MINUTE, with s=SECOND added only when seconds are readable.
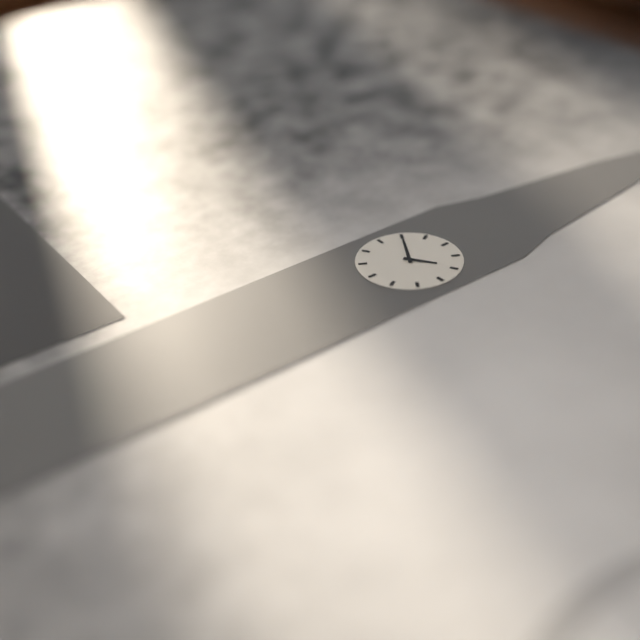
h=1 m=50
